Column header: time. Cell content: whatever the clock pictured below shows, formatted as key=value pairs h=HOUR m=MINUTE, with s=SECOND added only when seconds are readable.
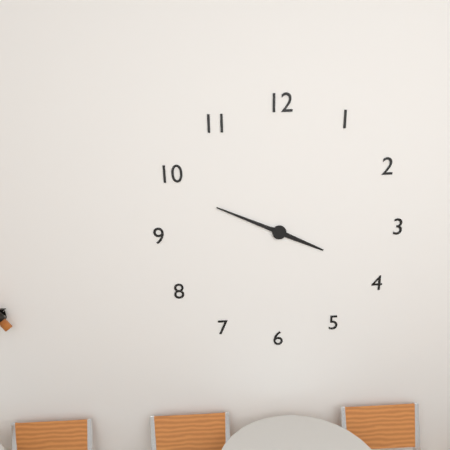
h=3 m=49
